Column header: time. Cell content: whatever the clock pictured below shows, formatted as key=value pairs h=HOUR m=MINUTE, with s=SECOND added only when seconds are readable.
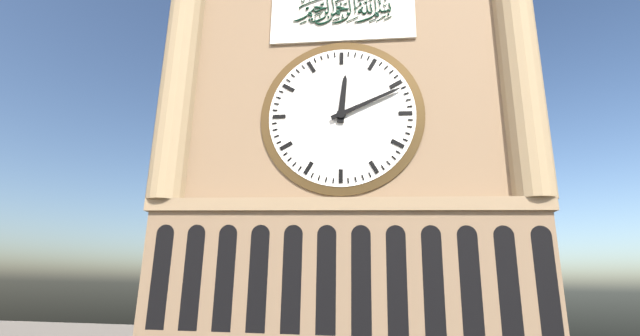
h=12 m=11
